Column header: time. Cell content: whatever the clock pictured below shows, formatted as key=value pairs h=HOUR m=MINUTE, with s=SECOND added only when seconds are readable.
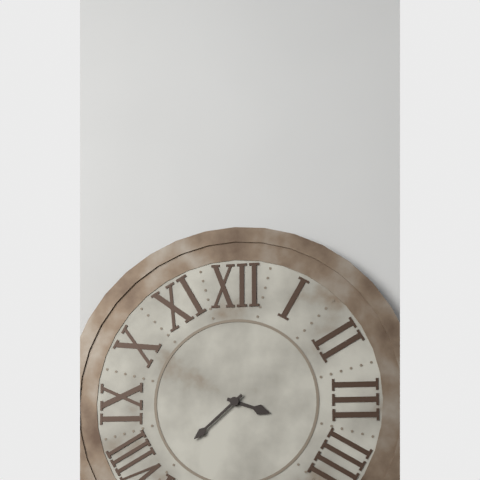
h=3 m=38
